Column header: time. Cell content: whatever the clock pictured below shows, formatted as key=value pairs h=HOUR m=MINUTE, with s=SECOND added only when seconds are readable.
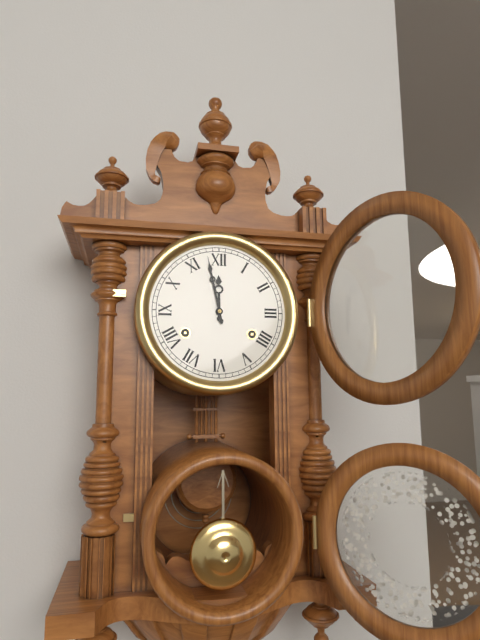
h=11 m=58
